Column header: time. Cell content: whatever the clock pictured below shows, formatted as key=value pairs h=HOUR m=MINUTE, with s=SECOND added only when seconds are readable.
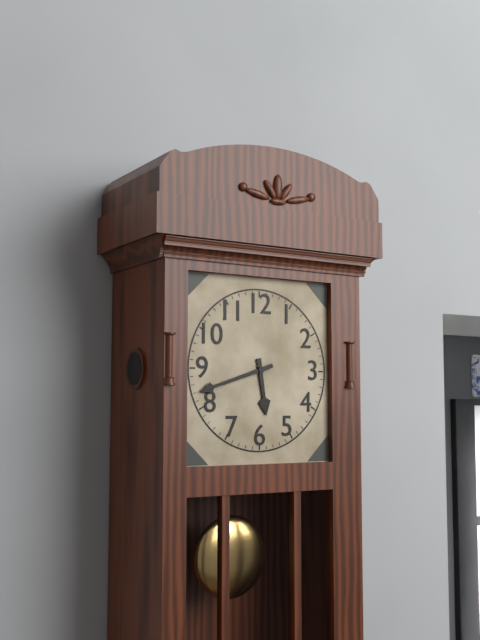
h=5 m=42
